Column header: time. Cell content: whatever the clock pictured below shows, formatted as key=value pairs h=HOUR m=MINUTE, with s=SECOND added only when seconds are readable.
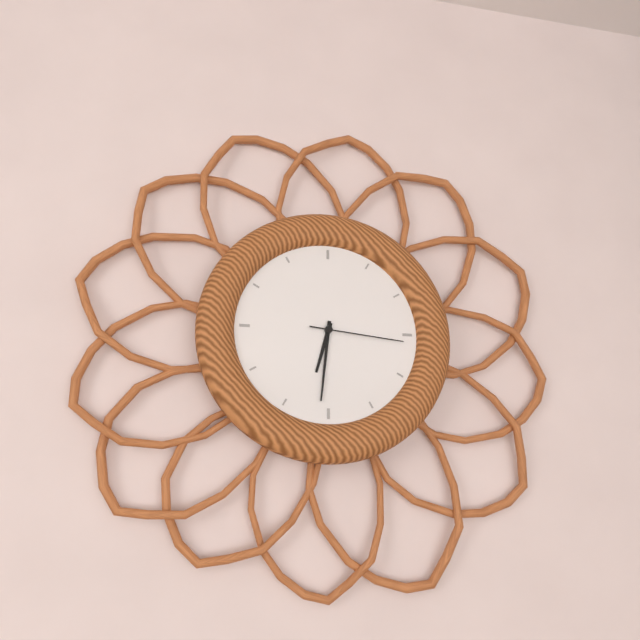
h=6 m=31 s=16
